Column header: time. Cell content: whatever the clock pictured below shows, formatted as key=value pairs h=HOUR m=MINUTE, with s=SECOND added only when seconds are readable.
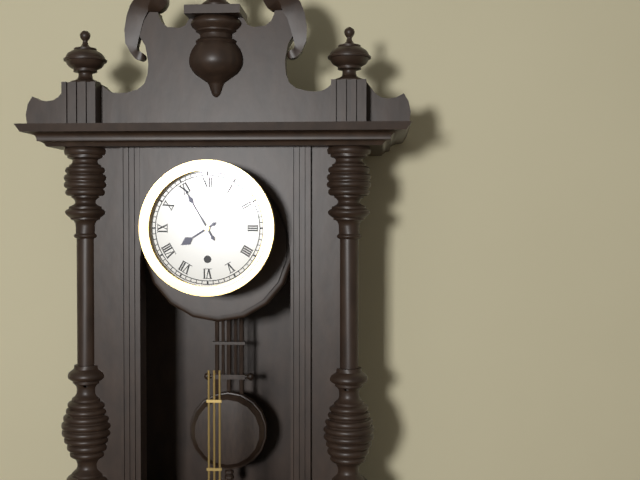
h=7 m=55
